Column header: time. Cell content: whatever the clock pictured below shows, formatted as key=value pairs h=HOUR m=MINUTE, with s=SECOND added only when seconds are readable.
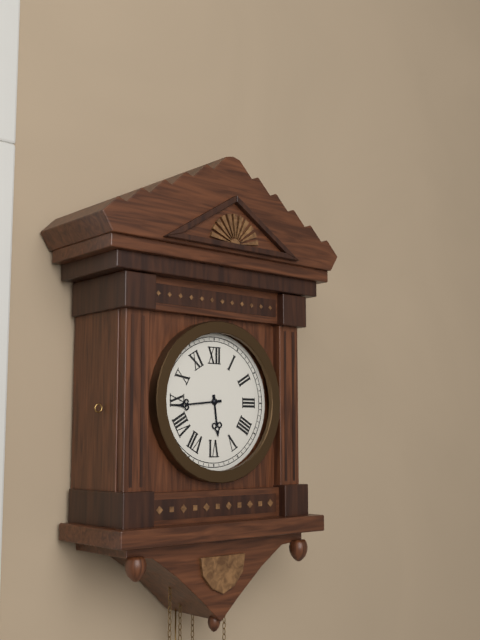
h=5 m=44
